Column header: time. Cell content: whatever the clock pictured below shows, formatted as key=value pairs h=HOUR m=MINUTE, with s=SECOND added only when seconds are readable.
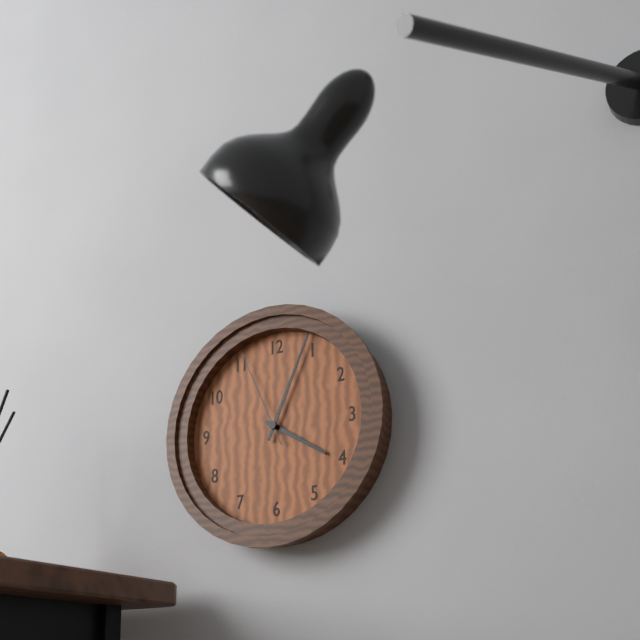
h=4 m=4 s=56
